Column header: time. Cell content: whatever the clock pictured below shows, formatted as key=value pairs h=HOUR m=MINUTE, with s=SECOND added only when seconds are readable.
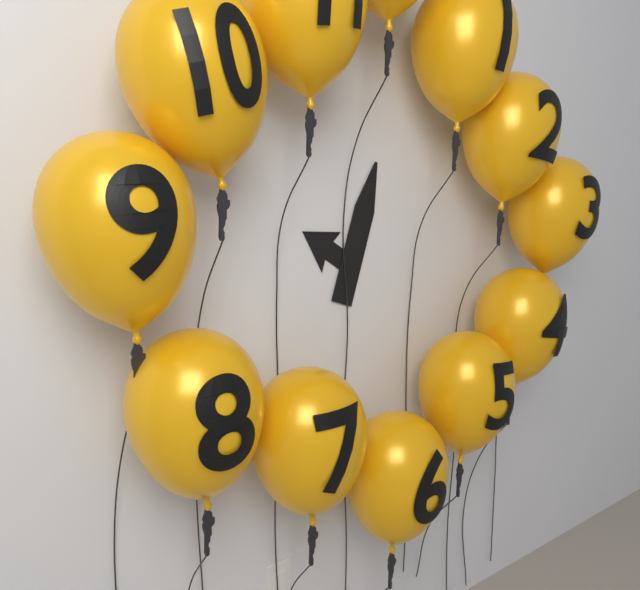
h=10 m=3
